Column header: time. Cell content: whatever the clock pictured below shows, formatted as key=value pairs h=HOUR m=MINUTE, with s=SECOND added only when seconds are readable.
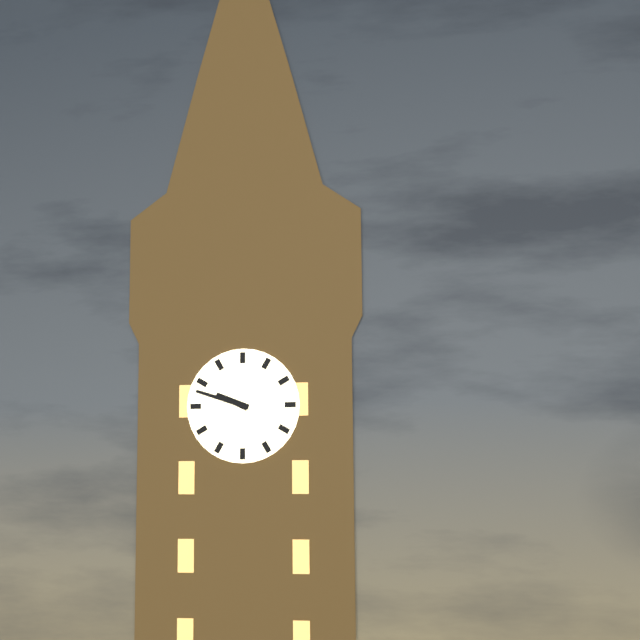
h=9 m=48
